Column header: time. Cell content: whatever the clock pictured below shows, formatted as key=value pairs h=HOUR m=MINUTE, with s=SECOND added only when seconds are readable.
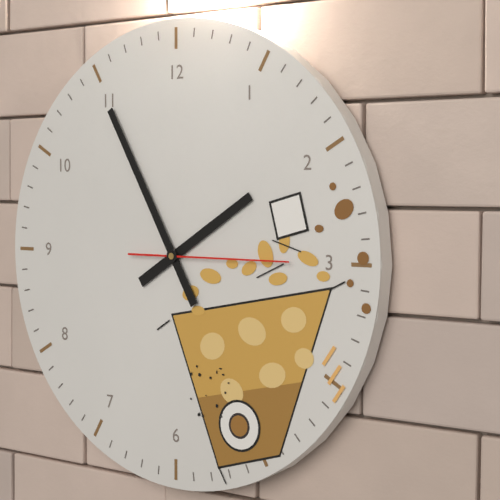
h=1 m=55 s=15
